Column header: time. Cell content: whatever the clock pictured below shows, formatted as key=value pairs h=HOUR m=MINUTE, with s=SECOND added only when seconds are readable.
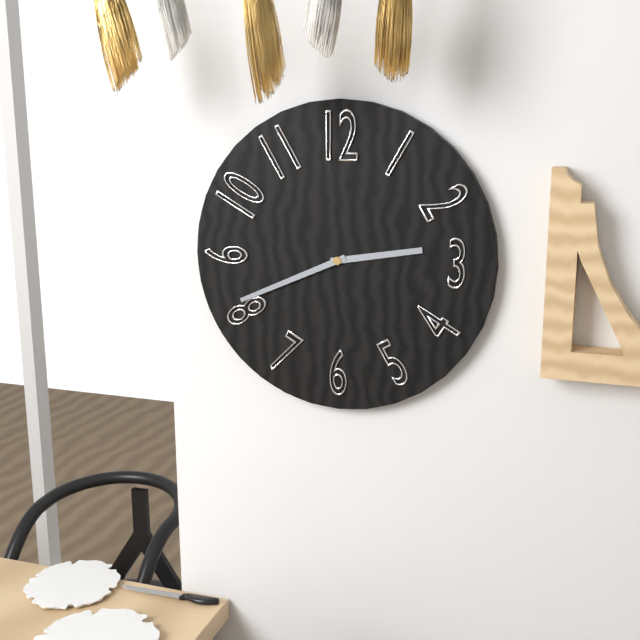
h=2 m=41
